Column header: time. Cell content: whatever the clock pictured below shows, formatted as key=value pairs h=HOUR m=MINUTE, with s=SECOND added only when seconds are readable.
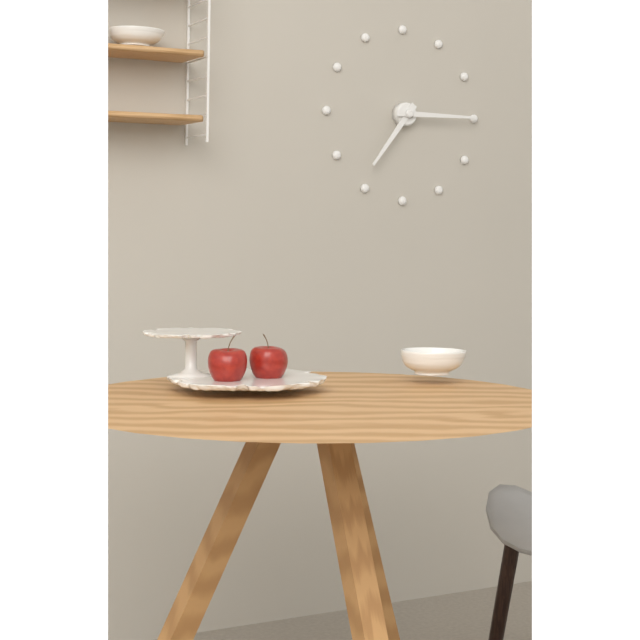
h=7 m=15
